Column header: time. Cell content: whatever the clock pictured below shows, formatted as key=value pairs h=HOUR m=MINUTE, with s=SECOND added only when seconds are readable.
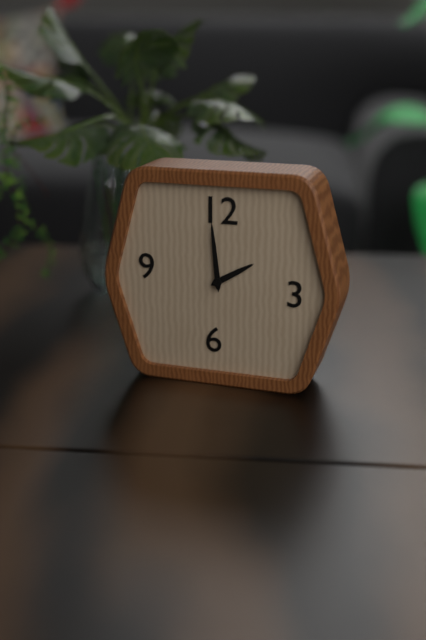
h=1 m=59
